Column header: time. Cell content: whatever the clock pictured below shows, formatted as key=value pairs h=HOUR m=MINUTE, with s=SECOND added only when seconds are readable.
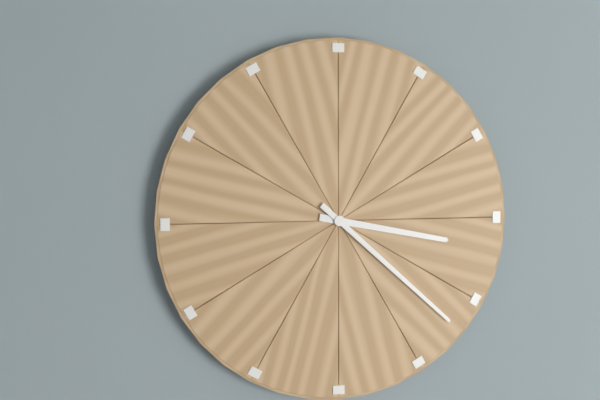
h=3 m=22
